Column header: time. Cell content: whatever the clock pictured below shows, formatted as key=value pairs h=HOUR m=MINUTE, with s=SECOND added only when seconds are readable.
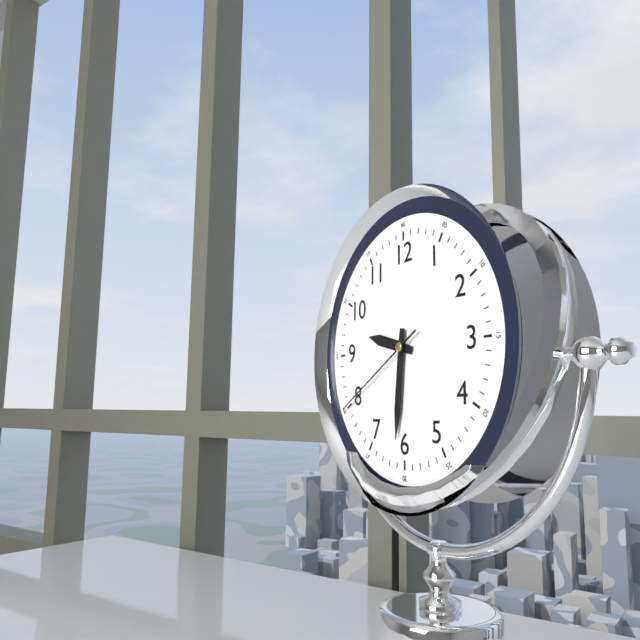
h=9 m=31 s=40
